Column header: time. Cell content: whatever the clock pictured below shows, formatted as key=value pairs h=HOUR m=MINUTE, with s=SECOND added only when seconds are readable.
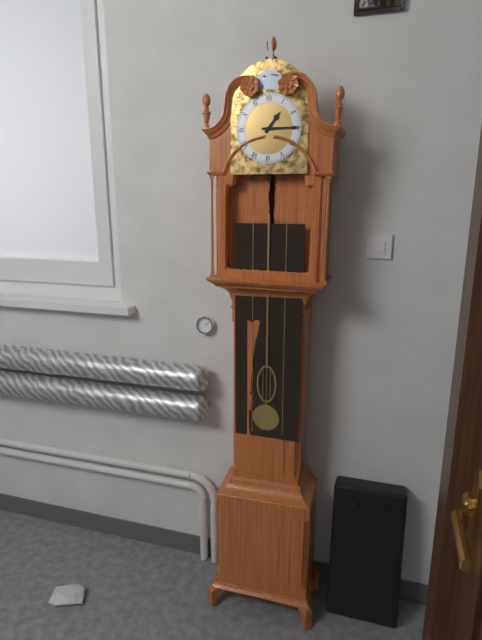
h=1 m=15
